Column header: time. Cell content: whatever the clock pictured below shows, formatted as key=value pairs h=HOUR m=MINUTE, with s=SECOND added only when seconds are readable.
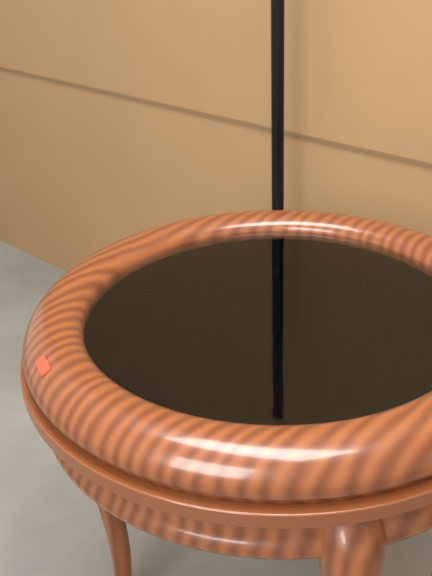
h=8 m=38
